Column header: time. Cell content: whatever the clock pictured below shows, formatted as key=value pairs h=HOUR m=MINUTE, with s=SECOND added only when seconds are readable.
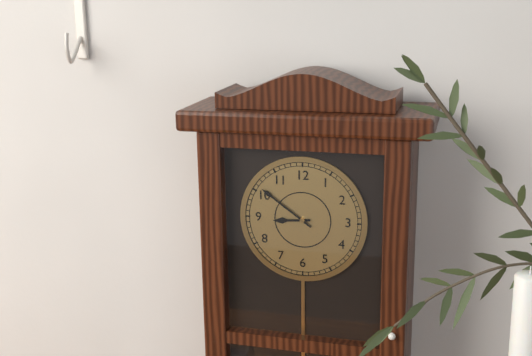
h=8 m=51
